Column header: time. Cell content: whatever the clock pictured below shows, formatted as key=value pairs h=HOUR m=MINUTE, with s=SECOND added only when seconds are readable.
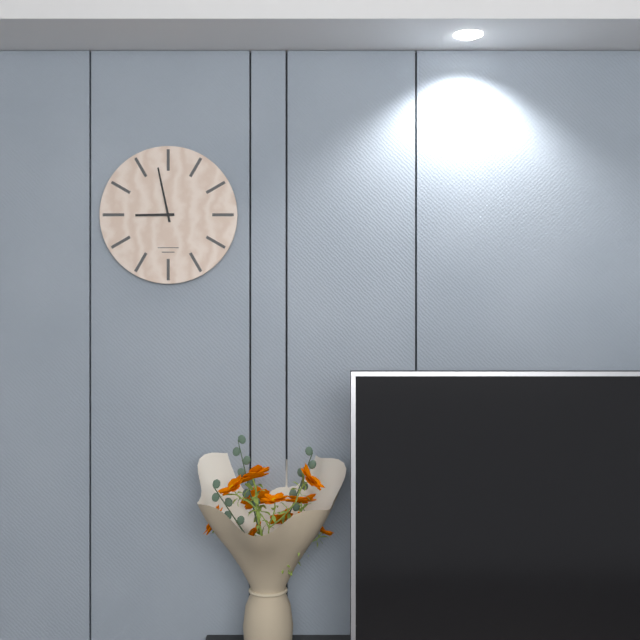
h=8 m=58
